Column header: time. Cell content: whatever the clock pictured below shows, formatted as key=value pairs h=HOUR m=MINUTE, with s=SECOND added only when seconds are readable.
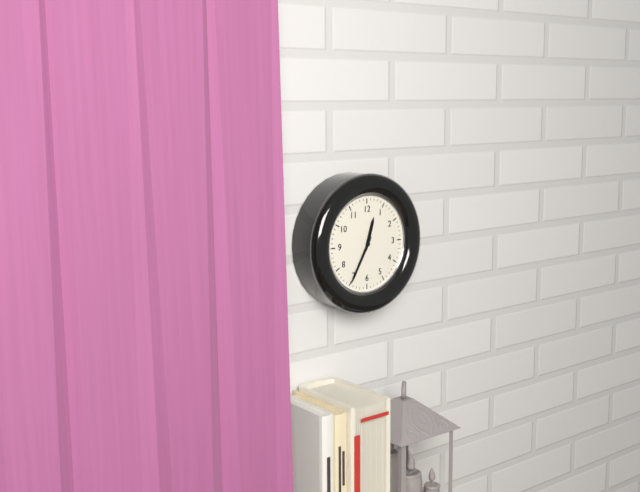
h=12 m=35
